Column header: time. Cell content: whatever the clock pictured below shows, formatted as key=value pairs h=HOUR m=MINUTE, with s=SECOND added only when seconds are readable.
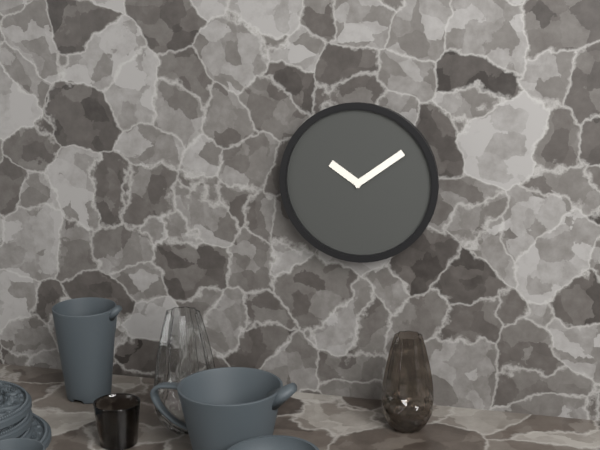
h=10 m=9
